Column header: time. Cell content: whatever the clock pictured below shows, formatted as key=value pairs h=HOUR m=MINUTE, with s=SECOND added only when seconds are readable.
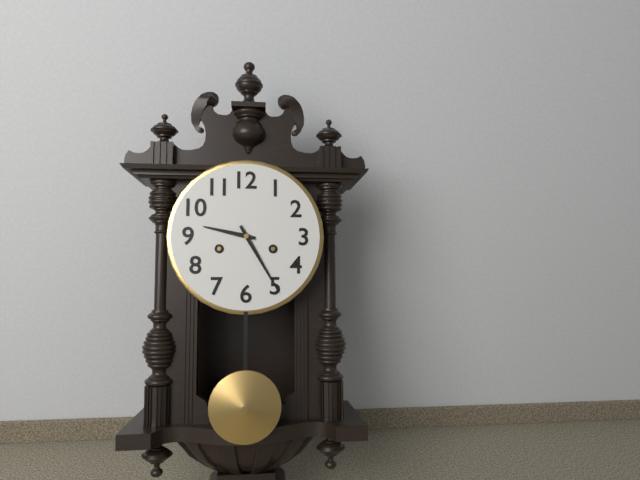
h=9 m=25
